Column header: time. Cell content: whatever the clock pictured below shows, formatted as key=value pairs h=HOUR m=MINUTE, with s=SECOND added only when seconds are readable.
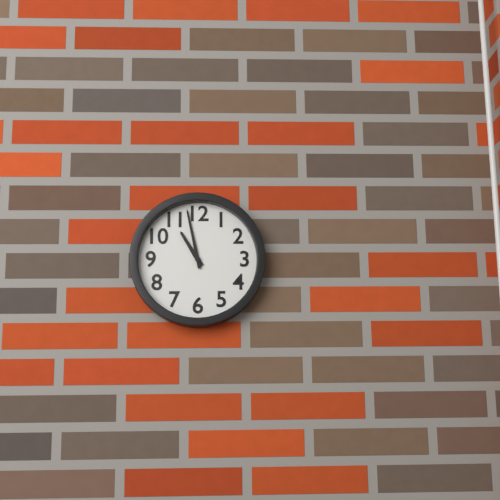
h=10 m=58
